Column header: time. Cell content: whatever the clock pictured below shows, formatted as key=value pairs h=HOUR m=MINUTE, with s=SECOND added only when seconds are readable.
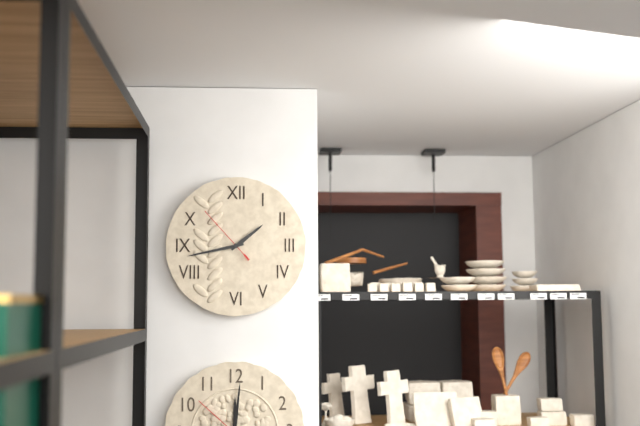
h=1 m=43 s=53
